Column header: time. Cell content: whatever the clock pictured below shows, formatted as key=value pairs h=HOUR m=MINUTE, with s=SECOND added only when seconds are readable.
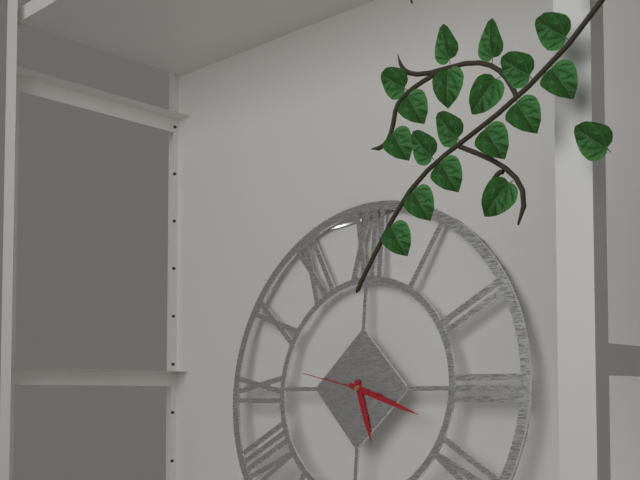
h=5 m=18 s=47
